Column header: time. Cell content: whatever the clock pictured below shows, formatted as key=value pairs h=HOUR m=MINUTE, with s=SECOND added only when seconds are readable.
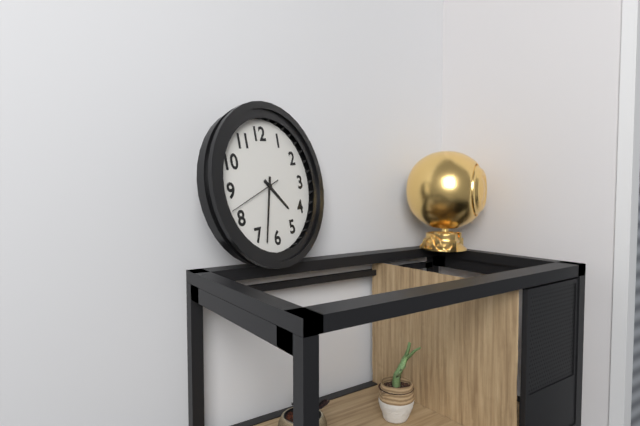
h=4 m=33 s=42
